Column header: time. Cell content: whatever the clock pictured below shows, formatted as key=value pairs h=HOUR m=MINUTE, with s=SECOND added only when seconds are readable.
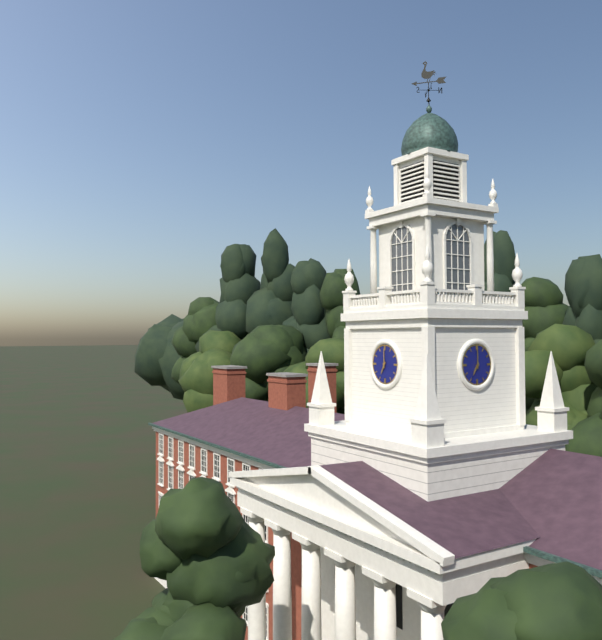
h=7 m=0
